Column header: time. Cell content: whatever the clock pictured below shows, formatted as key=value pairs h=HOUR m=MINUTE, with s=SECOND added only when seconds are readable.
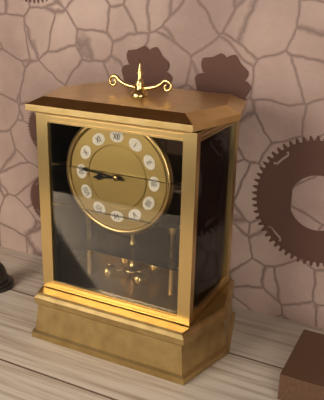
h=8 m=46
